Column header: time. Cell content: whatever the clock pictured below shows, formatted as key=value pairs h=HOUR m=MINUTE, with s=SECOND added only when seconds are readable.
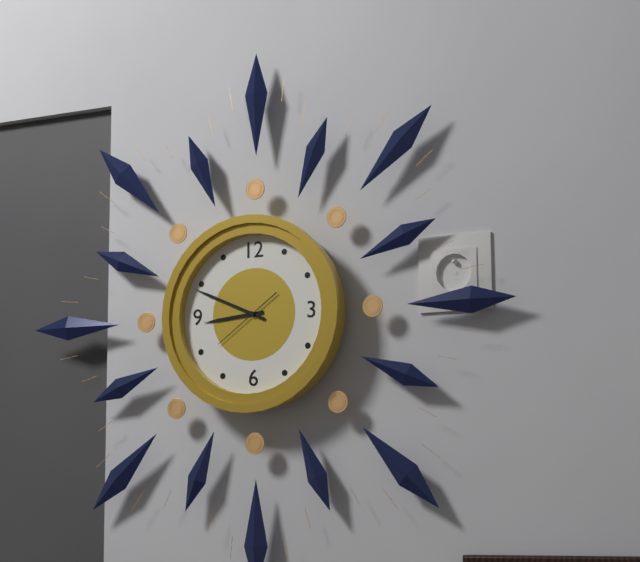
h=8 m=49 s=39
